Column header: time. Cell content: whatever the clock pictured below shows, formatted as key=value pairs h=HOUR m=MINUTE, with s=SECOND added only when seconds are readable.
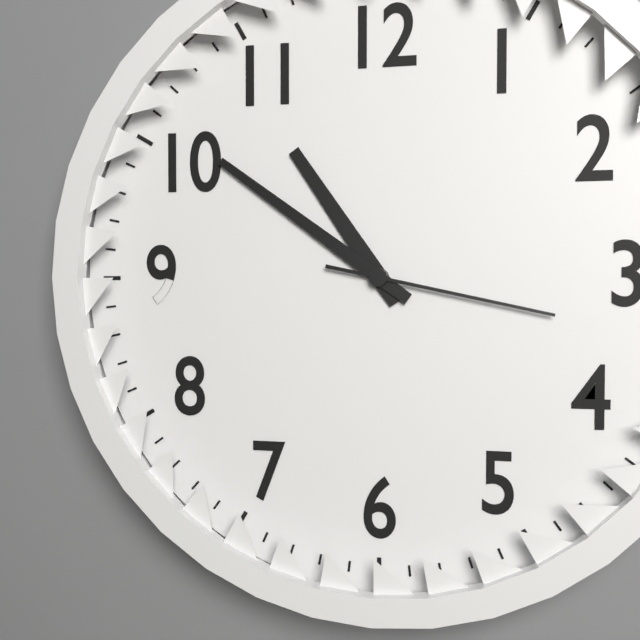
h=10 m=51 s=17
